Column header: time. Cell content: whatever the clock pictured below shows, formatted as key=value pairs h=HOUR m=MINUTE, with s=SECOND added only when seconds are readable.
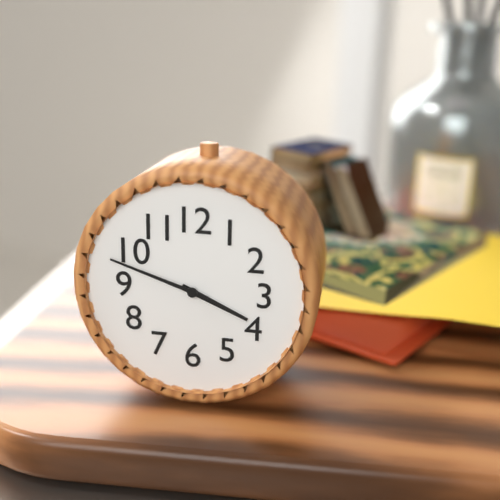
h=3 m=48
